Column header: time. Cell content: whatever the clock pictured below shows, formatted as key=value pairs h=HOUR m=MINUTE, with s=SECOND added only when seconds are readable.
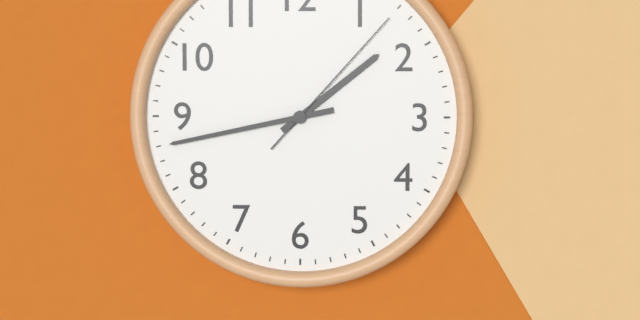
h=1 m=43 s=7
